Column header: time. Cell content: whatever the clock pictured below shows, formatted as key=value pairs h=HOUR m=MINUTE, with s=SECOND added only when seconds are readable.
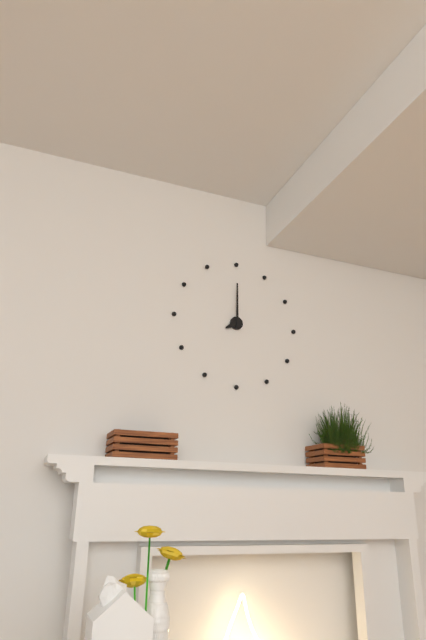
h=8 m=0
